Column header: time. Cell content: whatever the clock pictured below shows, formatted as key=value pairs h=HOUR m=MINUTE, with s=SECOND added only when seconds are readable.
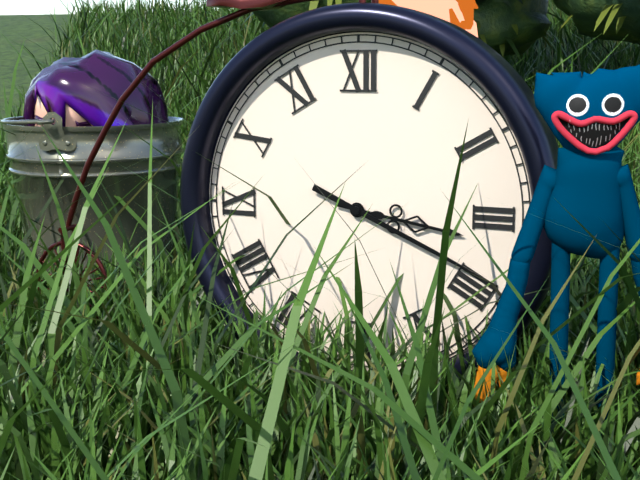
h=3 m=19
